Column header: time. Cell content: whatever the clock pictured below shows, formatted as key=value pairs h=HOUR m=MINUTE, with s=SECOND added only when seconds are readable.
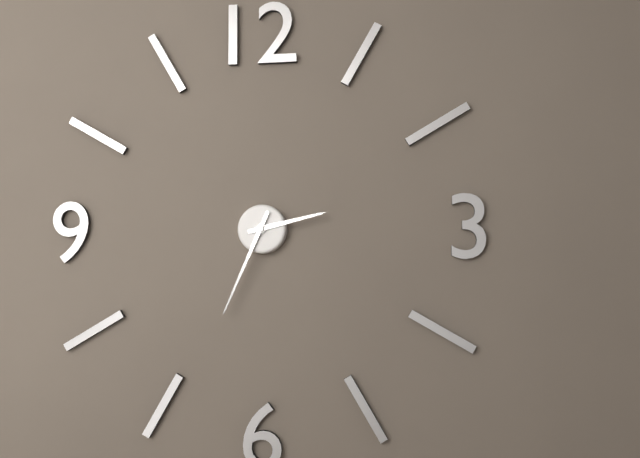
h=2 m=34
